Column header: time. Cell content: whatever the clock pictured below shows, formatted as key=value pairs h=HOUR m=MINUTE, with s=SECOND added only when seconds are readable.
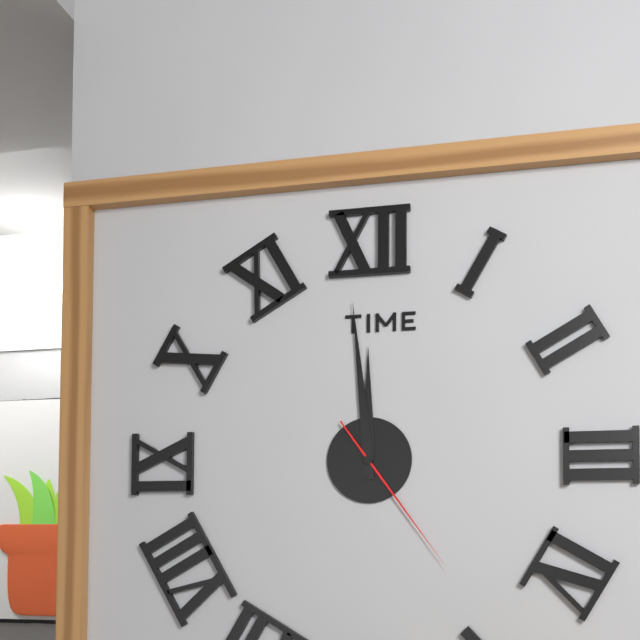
h=11 m=59 s=24
